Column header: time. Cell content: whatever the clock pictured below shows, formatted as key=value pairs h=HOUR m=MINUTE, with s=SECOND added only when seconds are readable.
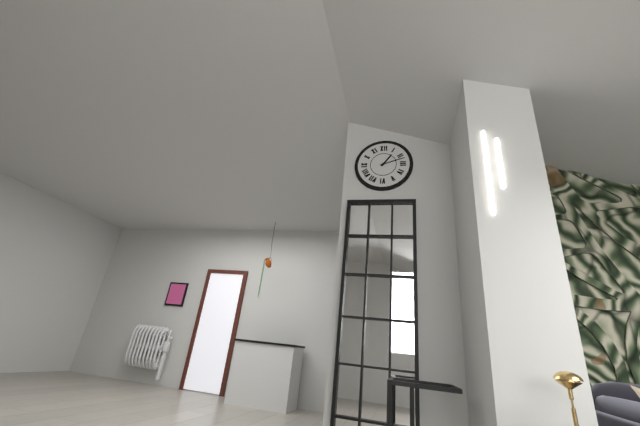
h=1 m=12
